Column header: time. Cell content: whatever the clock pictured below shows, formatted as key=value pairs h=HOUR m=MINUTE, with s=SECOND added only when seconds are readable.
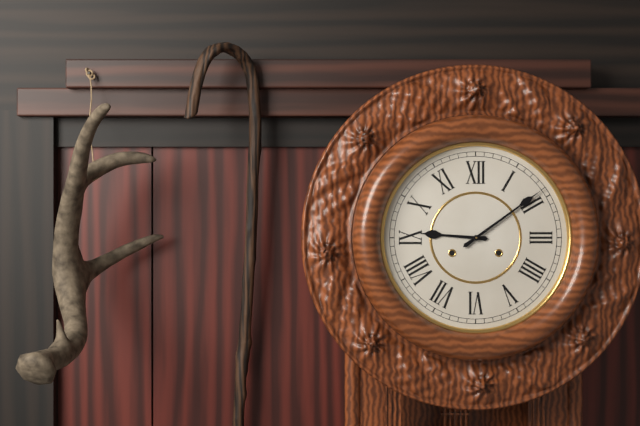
h=9 m=9
